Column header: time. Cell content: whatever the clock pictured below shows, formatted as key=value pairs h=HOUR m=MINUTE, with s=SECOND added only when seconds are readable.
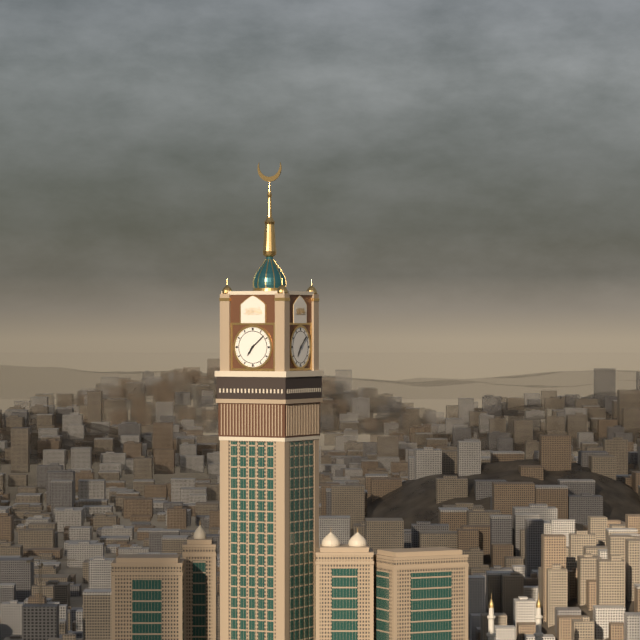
h=7 m=8
